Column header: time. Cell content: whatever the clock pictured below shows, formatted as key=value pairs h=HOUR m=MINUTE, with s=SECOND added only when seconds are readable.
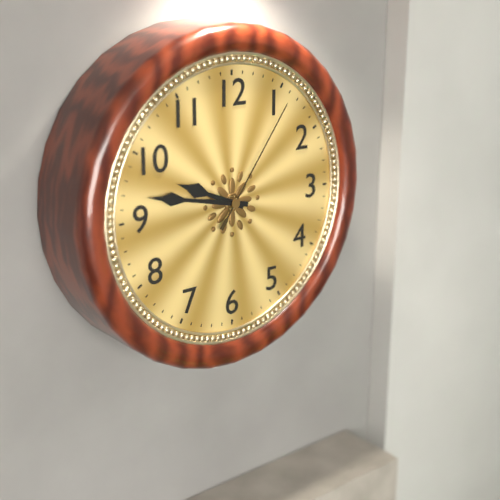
h=9 m=47 s=6
